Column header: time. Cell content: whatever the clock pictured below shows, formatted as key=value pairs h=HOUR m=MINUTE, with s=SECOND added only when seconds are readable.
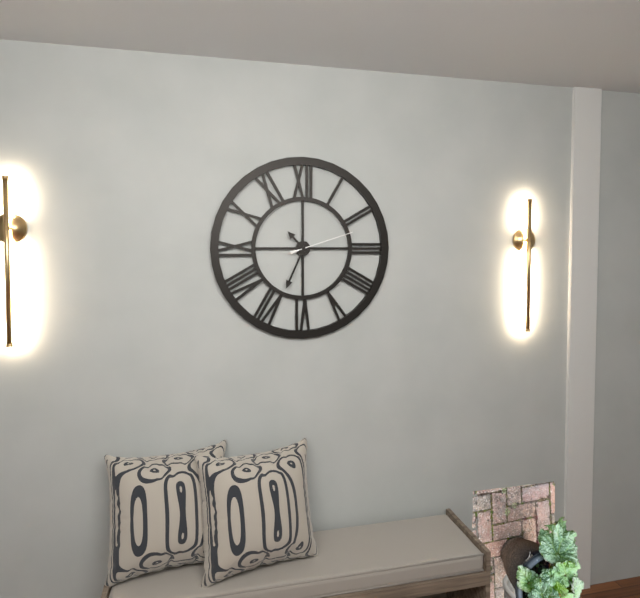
h=10 m=34 s=12
